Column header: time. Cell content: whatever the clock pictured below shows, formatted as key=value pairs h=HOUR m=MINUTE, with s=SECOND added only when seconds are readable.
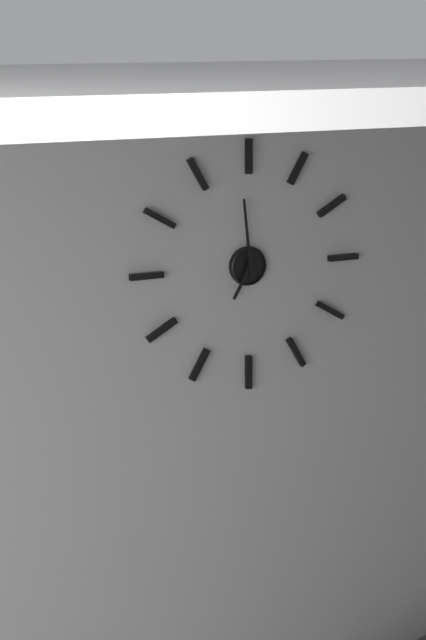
h=6 m=59
